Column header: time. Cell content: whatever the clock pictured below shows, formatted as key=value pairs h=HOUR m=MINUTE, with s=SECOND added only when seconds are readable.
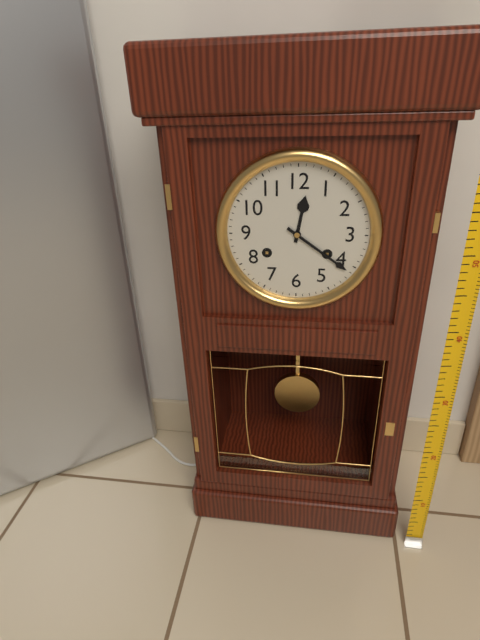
h=12 m=21
